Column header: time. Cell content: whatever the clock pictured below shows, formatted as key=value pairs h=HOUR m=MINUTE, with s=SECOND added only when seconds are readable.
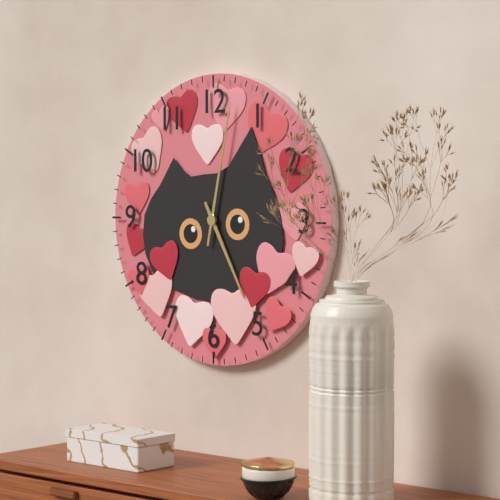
h=5 m=2
